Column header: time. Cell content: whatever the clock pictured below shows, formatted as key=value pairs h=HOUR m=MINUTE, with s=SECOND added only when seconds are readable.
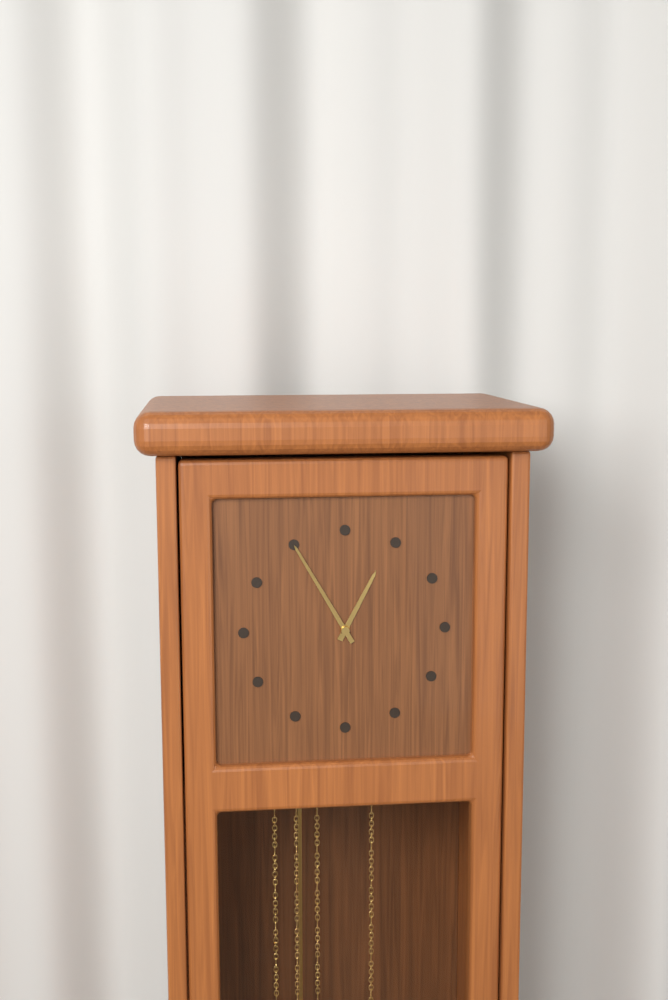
h=12 m=55
